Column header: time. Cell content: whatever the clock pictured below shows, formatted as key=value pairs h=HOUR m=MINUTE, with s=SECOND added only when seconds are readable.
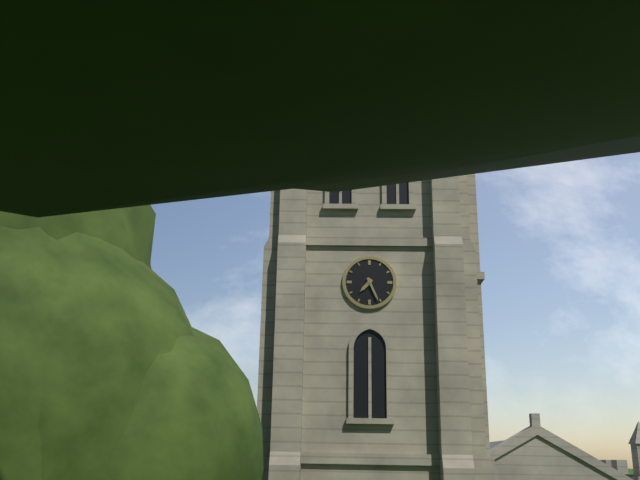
h=7 m=26
